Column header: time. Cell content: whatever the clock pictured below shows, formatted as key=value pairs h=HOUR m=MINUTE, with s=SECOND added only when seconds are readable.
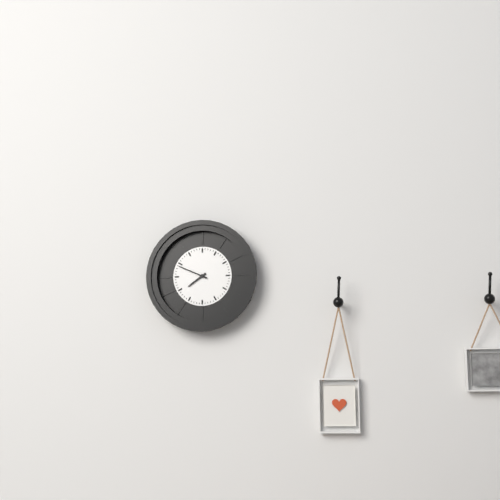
h=7 m=49
